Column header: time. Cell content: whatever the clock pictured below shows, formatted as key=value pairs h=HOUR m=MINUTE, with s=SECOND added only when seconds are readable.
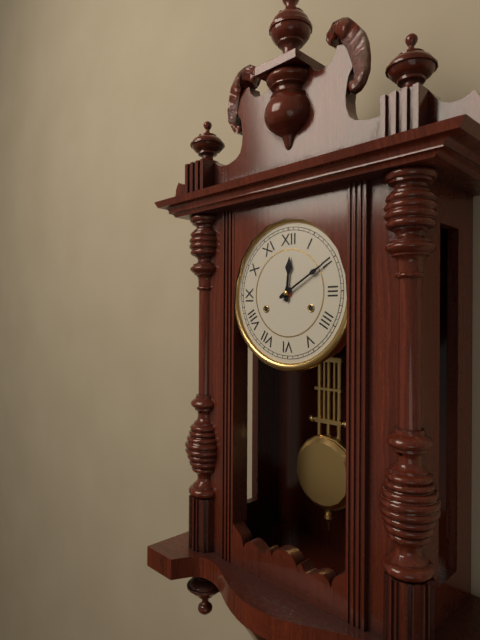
h=12 m=10
